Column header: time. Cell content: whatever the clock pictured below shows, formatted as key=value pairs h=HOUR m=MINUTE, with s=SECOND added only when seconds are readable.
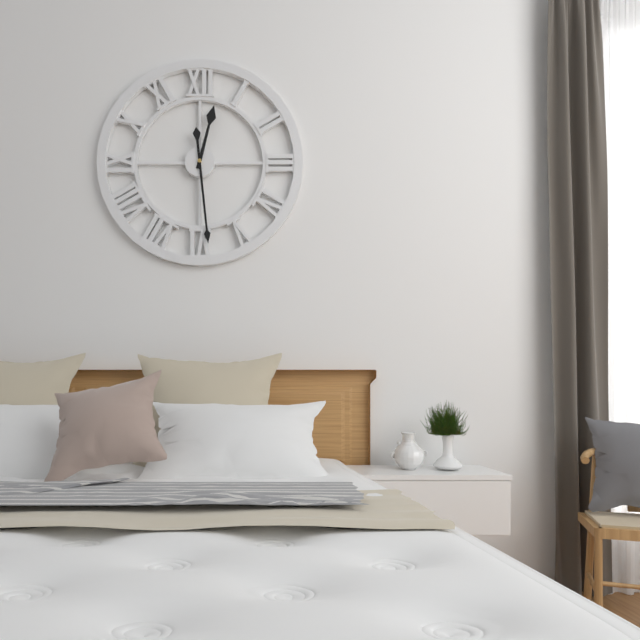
h=12 m=29
